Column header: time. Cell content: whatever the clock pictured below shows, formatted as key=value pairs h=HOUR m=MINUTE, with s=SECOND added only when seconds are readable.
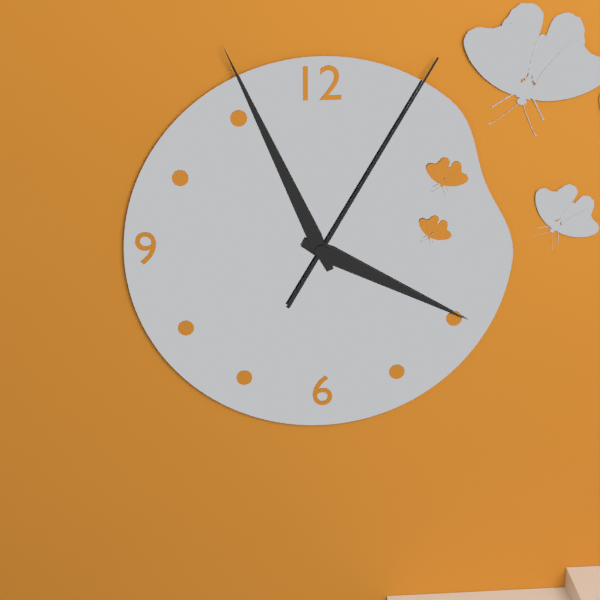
h=3 m=56 s=5
